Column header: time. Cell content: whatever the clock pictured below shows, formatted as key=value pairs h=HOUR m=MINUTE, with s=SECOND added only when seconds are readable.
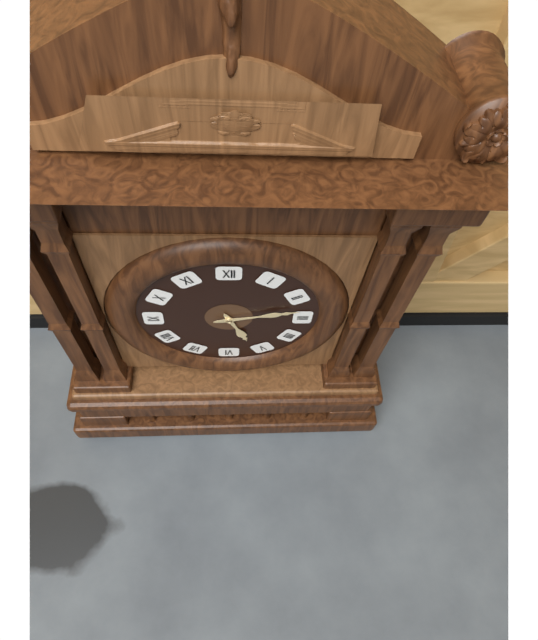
h=5 m=13
